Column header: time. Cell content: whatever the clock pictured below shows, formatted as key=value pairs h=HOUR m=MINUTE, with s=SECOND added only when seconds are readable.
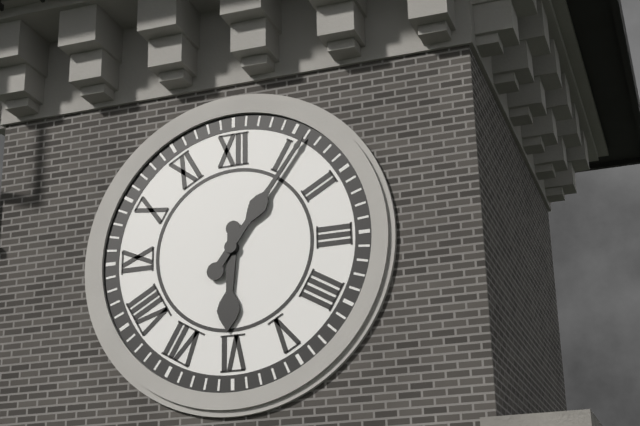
h=6 m=6
